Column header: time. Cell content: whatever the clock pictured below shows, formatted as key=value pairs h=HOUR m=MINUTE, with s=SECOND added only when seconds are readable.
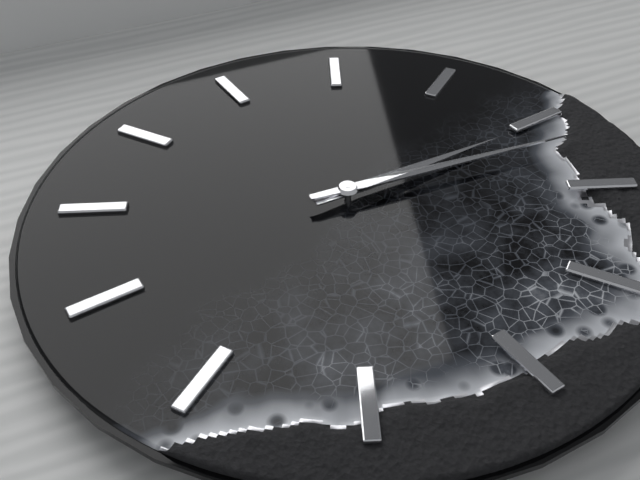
h=1 m=7
